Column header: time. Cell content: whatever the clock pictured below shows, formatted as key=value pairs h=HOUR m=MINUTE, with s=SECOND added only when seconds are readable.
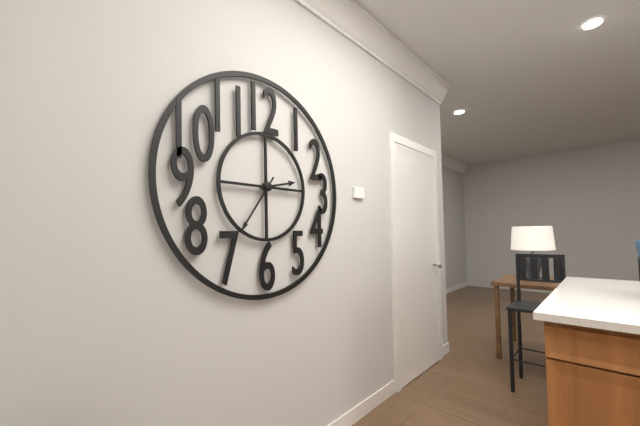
h=2 m=36
